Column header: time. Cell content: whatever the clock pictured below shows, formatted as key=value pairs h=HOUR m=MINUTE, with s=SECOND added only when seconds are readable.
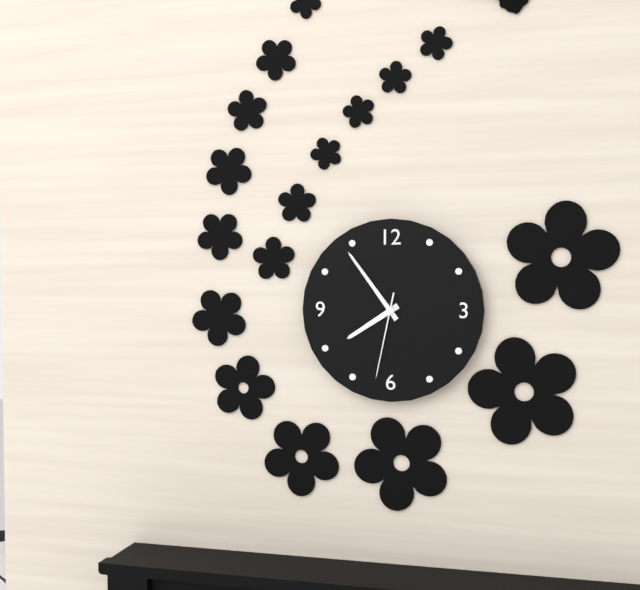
h=7 m=54 s=32
